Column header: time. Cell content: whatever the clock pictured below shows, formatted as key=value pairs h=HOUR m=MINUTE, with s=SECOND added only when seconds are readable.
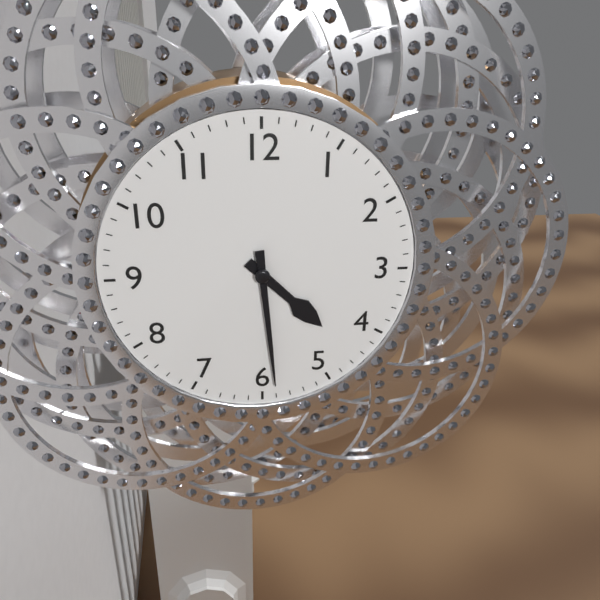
h=4 m=29
